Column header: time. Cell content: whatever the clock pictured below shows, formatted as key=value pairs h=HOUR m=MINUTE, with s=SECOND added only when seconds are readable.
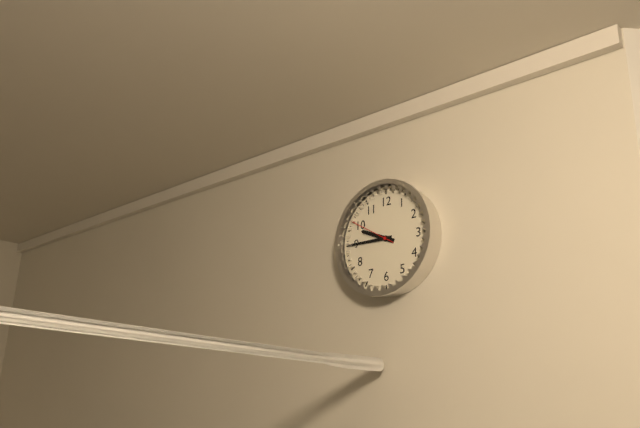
h=9 m=45
